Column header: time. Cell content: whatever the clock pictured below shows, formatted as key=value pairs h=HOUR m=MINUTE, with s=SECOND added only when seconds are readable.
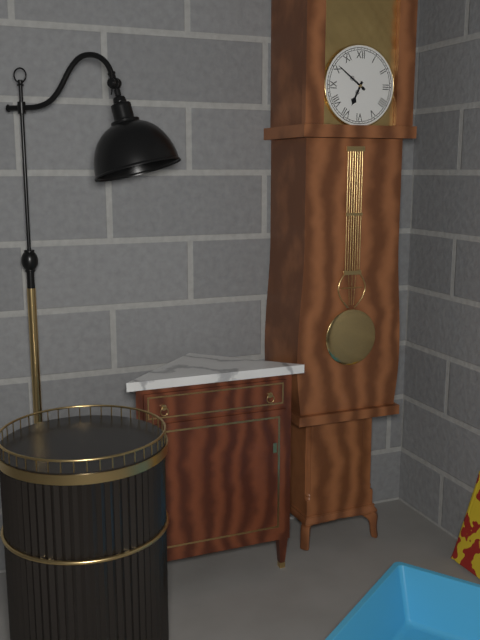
h=6 m=51
